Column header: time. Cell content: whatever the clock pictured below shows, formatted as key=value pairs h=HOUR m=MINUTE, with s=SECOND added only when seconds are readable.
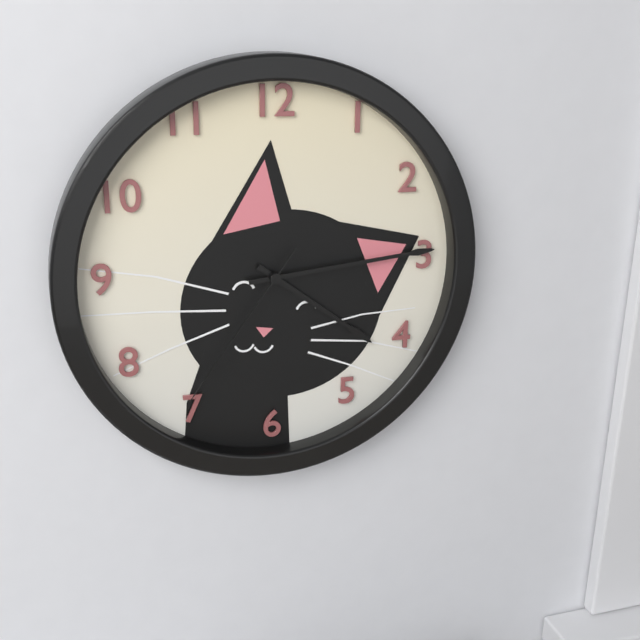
h=4 m=14 s=36
